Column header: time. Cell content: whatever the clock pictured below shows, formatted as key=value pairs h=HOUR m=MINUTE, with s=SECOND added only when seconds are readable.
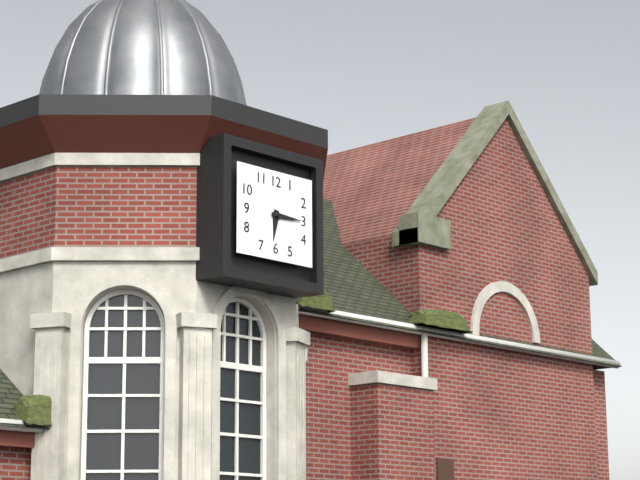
h=6 m=15
